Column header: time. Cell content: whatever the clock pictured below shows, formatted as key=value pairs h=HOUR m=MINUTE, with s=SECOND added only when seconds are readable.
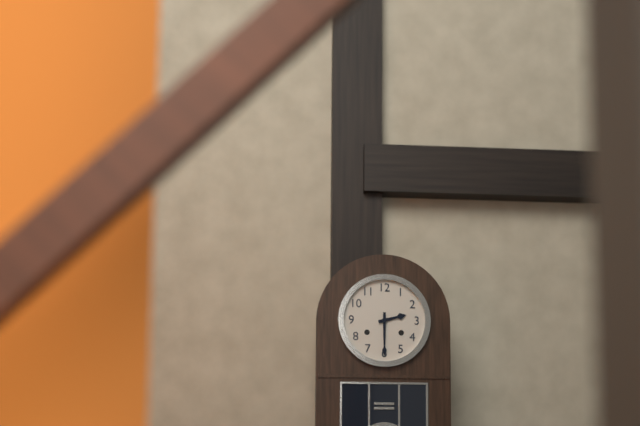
h=2 m=30
